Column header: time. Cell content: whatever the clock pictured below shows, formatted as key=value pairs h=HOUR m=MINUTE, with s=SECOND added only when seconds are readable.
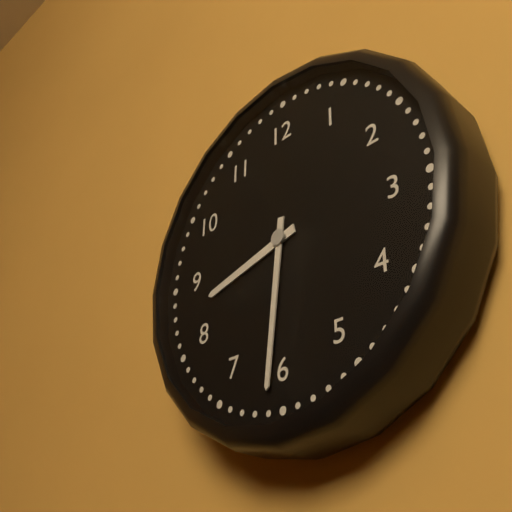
h=8 m=31
